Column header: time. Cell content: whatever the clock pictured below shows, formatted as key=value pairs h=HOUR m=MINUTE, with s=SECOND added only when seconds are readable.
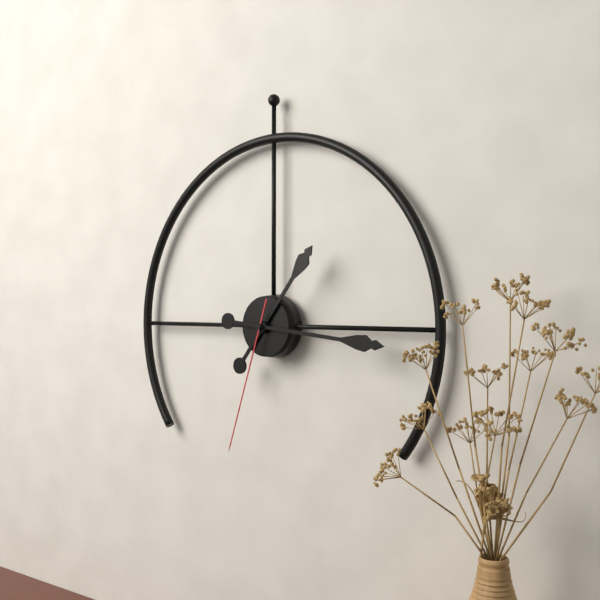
h=1 m=16 s=33
